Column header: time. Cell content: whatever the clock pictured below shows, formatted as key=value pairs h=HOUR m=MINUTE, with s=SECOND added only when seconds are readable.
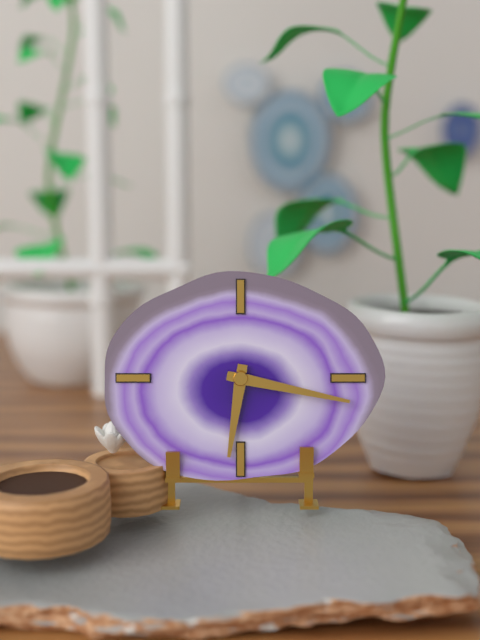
h=6 m=17
